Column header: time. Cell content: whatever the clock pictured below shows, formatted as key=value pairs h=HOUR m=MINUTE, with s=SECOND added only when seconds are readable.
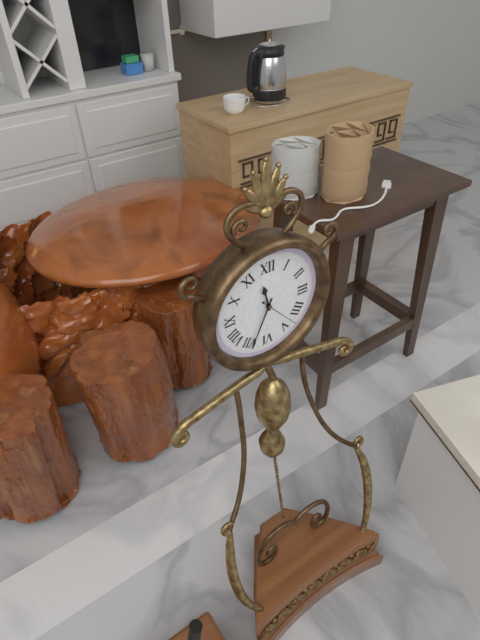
h=11 m=34
